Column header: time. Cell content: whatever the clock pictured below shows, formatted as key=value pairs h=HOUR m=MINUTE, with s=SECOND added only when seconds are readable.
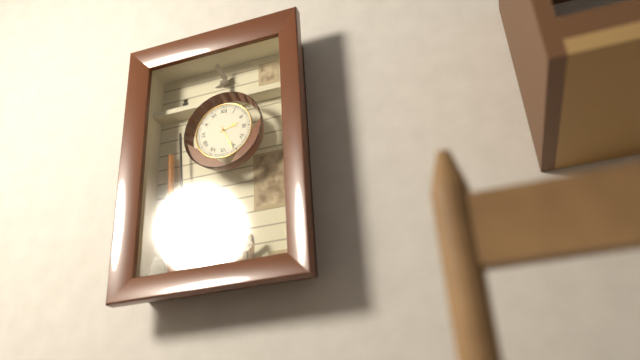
h=2 m=26
